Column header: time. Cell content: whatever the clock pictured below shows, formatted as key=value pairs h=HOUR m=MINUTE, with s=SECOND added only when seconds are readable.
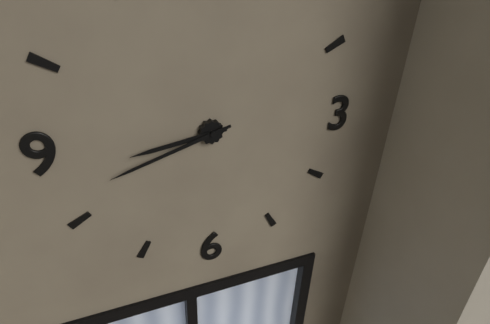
h=8 m=42
